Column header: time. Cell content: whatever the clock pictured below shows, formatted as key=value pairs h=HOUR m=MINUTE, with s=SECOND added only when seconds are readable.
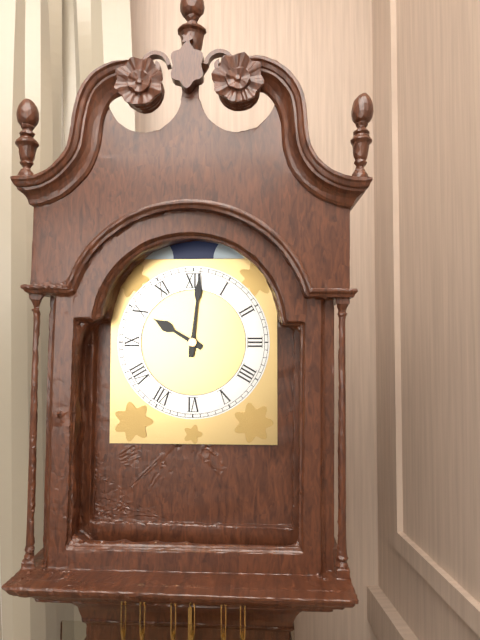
h=10 m=1
